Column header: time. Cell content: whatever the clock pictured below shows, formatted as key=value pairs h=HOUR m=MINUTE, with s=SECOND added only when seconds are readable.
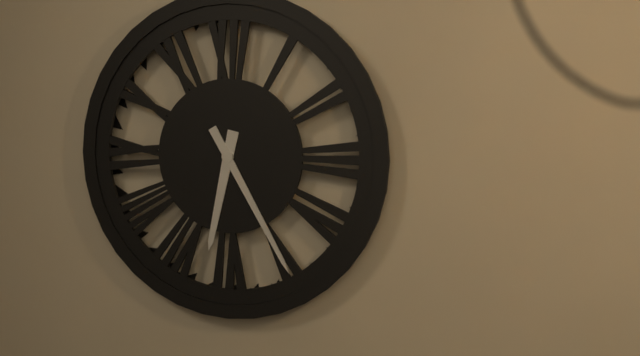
h=6 m=25
